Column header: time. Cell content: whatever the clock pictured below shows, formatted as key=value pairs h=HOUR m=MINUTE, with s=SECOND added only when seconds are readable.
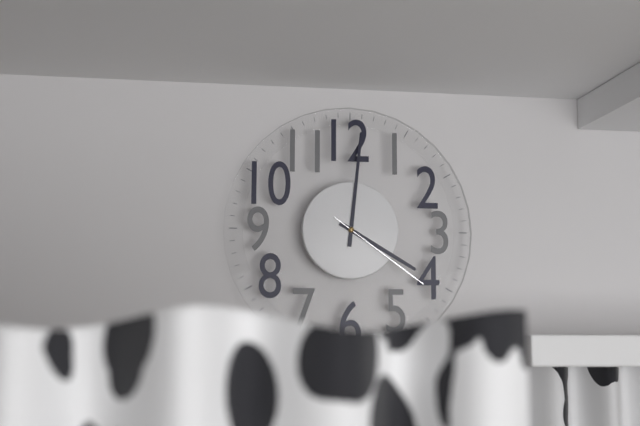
h=4 m=1 s=21
